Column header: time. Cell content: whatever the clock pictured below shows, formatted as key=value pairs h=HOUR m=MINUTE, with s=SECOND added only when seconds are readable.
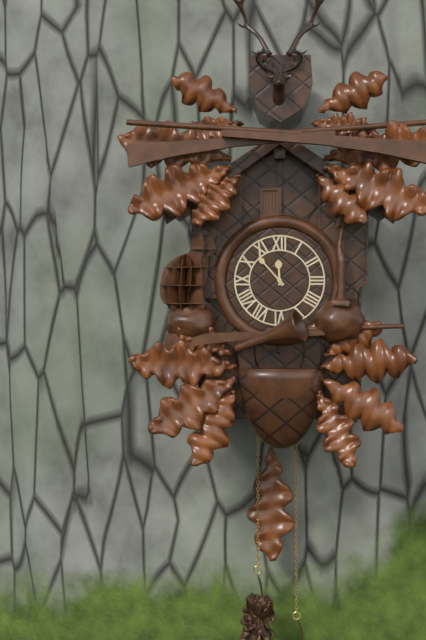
h=11 m=53
